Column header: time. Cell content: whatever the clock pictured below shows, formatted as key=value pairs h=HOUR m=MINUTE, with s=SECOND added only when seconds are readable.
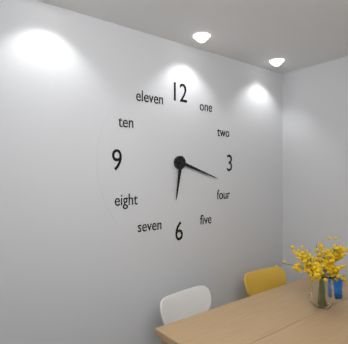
h=6 m=18
